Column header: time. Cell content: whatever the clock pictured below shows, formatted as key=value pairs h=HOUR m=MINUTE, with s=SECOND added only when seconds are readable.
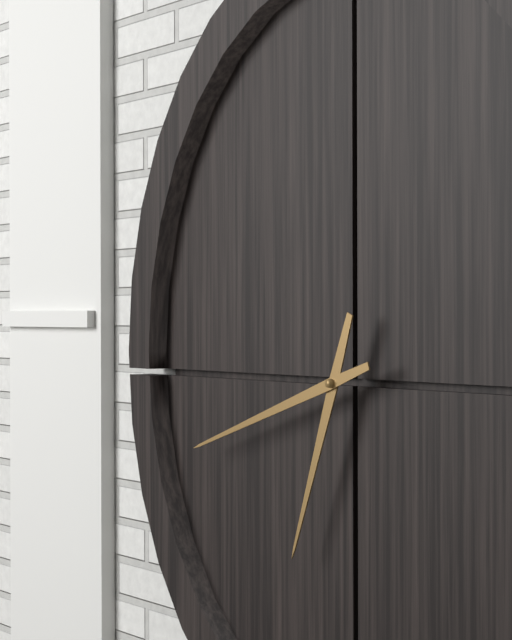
h=6 m=42
